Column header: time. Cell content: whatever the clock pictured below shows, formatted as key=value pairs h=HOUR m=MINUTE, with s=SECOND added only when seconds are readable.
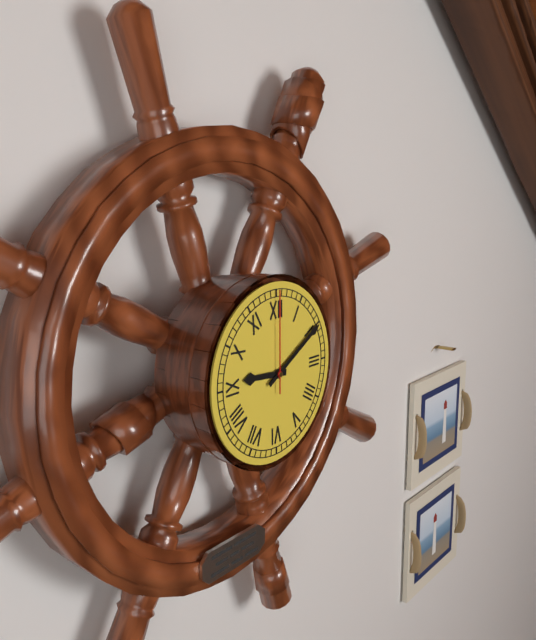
h=9 m=10 s=0
